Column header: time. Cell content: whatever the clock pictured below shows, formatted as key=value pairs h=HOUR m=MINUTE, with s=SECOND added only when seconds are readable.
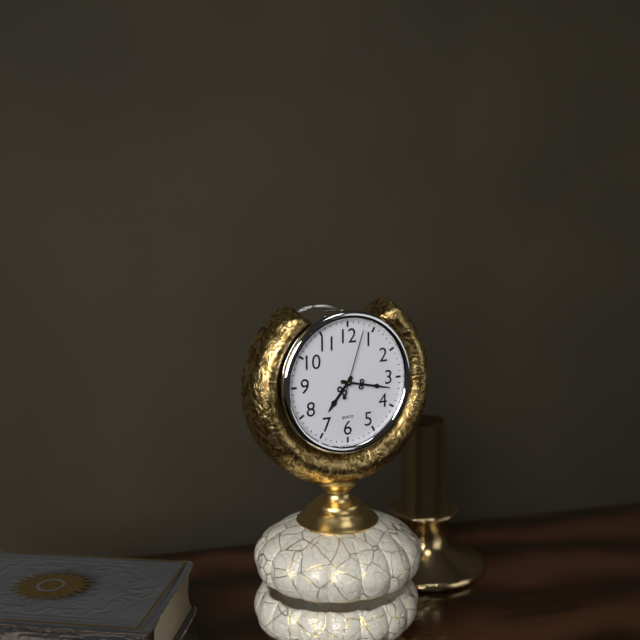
h=7 m=17 s=3
